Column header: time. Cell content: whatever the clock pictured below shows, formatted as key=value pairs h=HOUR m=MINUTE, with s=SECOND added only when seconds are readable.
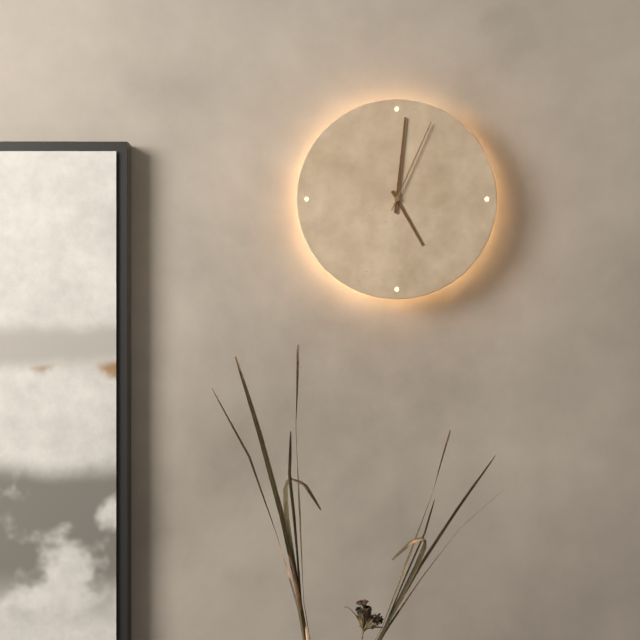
h=5 m=1 s=4
